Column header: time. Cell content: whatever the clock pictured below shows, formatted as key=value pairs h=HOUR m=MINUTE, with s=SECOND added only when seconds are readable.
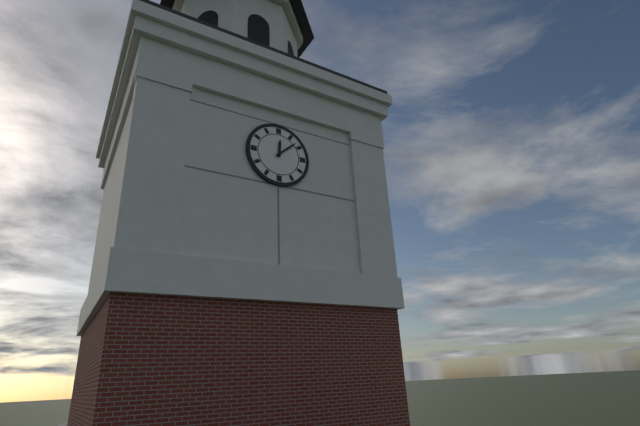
h=12 m=8
